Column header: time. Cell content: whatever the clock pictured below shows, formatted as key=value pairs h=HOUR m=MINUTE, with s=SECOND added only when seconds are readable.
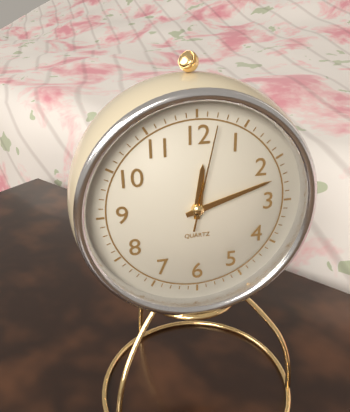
h=12 m=12 s=2
